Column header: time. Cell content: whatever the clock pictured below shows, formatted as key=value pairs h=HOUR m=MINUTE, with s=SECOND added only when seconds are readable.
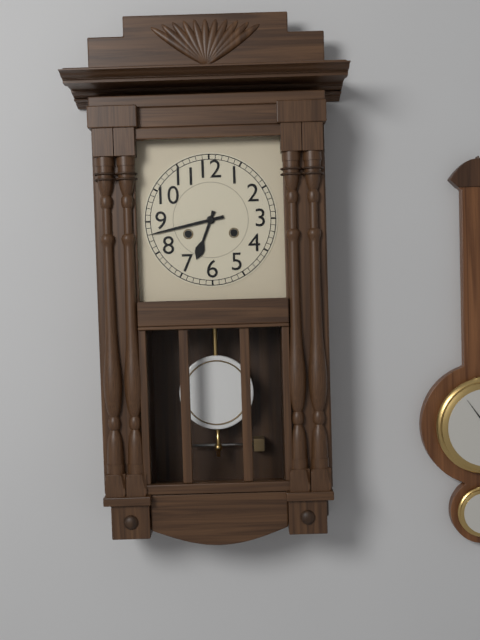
h=6 m=43
